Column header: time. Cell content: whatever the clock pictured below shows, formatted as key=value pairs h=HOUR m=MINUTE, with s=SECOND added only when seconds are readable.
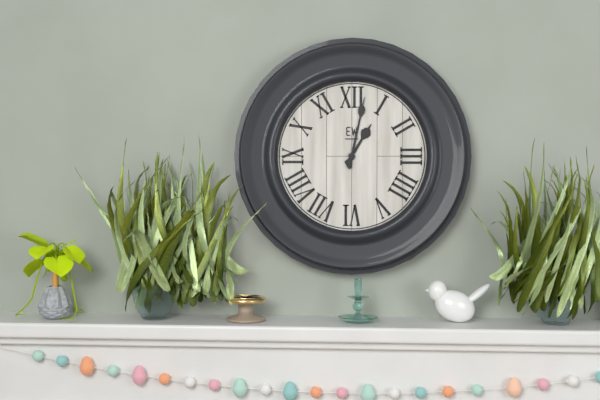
h=1 m=2
